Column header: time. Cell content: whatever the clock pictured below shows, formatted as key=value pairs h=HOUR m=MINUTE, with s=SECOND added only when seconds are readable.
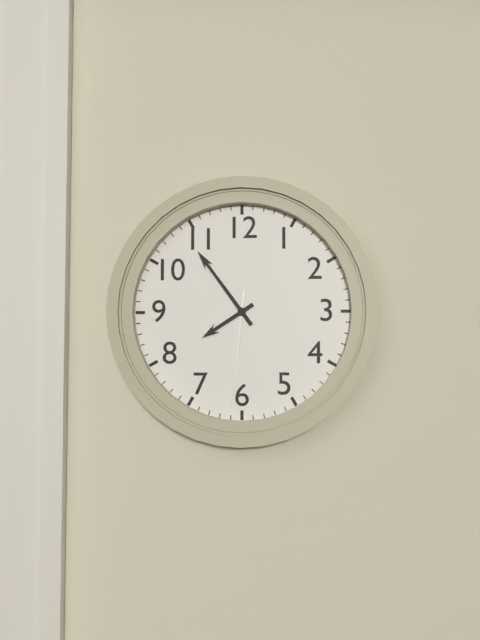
h=7 m=54 s=31
